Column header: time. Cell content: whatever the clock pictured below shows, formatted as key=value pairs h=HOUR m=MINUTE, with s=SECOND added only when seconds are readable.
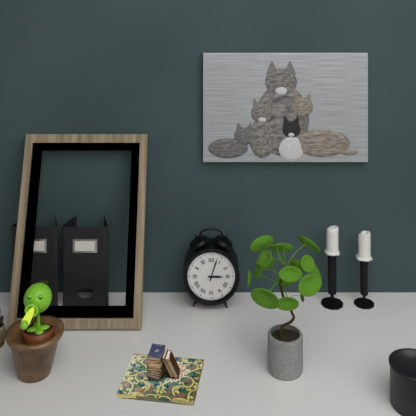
h=3 m=3
